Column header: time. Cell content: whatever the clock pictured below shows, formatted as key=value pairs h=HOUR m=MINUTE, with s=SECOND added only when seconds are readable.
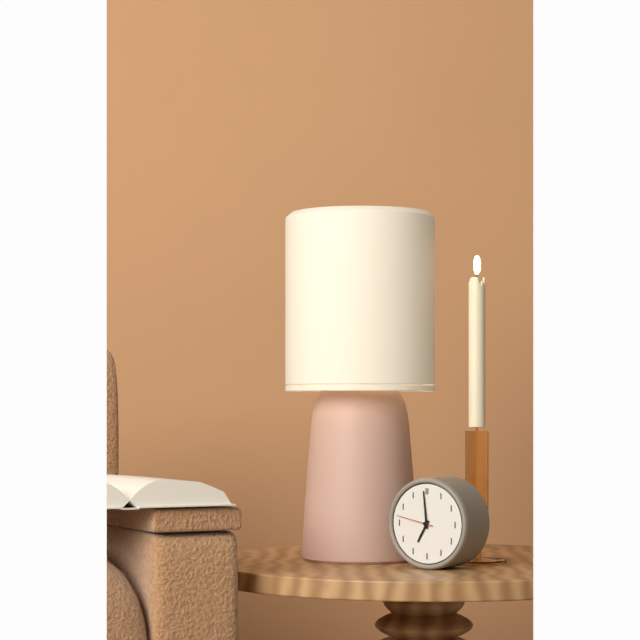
h=6 m=59
